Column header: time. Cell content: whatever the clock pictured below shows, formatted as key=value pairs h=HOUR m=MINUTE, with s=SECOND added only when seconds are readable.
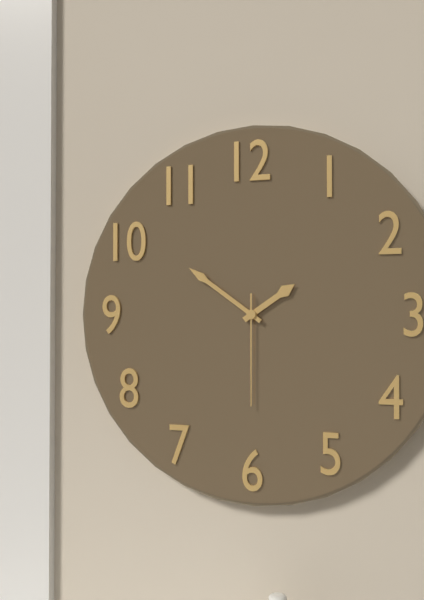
h=1 m=51 s=30
